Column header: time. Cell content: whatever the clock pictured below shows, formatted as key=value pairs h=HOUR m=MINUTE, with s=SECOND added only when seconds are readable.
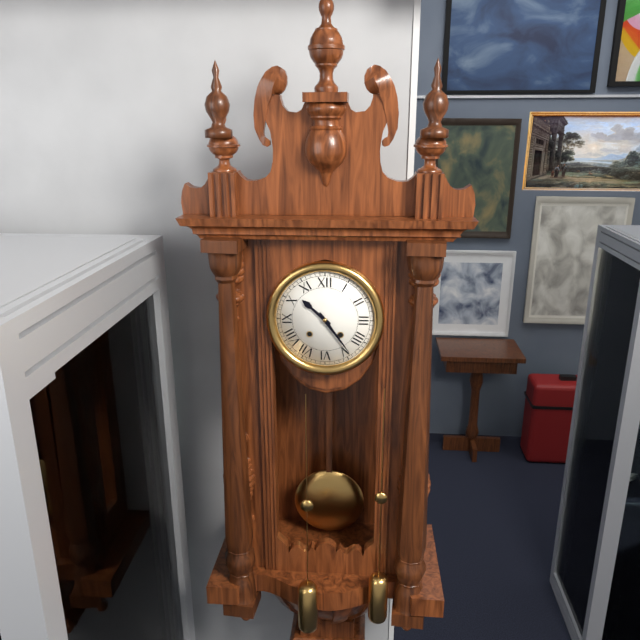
h=10 m=24
